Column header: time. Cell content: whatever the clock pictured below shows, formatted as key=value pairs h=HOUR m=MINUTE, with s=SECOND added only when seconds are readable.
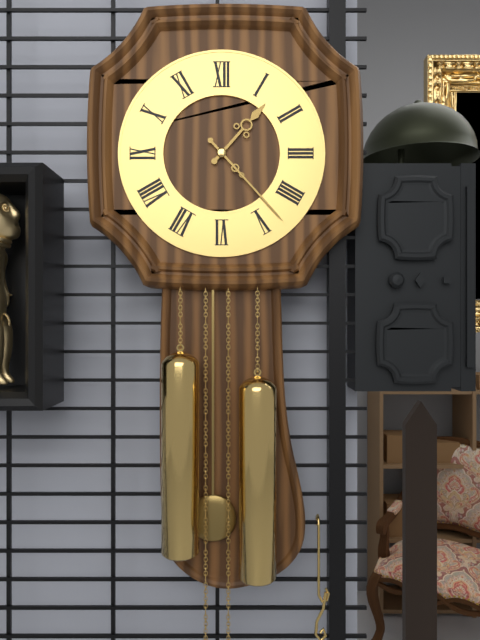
h=1 m=23
